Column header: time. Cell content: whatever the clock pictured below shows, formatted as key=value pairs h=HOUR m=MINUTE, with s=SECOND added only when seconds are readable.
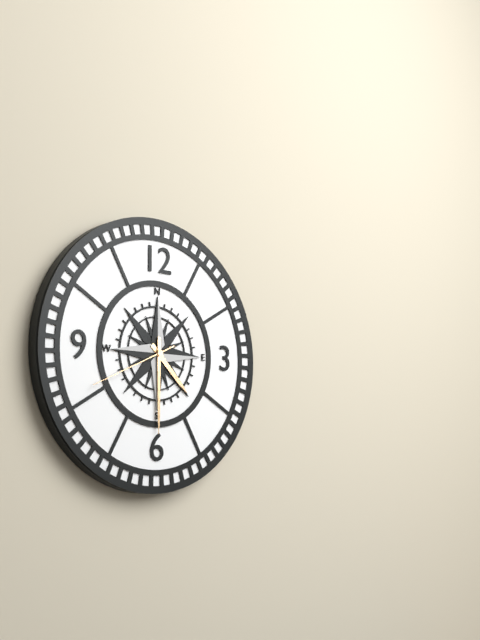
h=4 m=30 s=41
